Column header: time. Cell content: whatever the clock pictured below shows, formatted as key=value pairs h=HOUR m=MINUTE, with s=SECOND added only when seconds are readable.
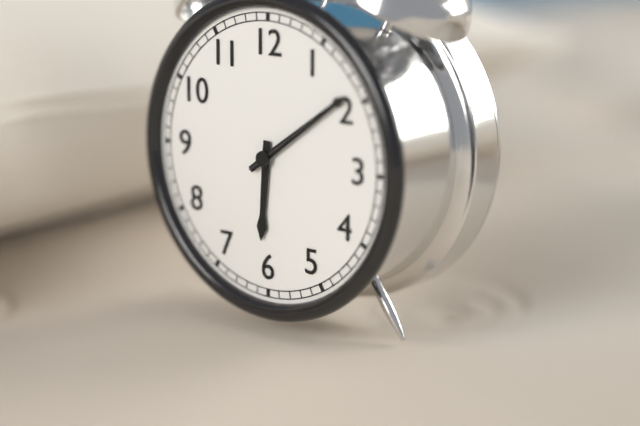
h=6 m=9 s=9
